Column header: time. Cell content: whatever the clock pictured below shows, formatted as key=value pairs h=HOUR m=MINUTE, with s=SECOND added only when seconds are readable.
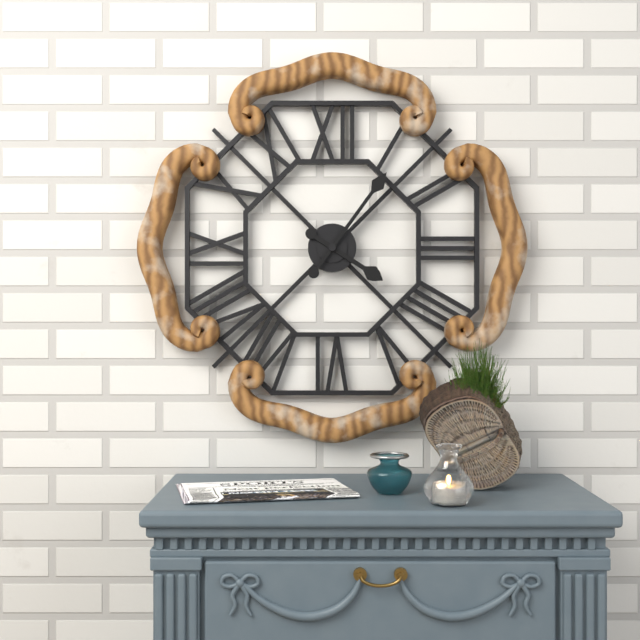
h=4 m=6
